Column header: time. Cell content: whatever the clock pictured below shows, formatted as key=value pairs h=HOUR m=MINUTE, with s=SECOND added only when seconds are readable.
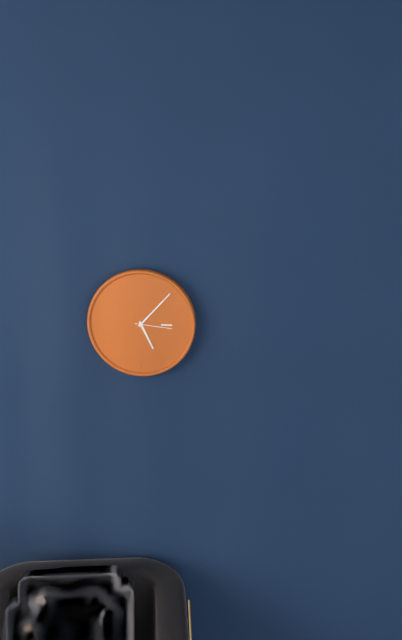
h=5 m=7
